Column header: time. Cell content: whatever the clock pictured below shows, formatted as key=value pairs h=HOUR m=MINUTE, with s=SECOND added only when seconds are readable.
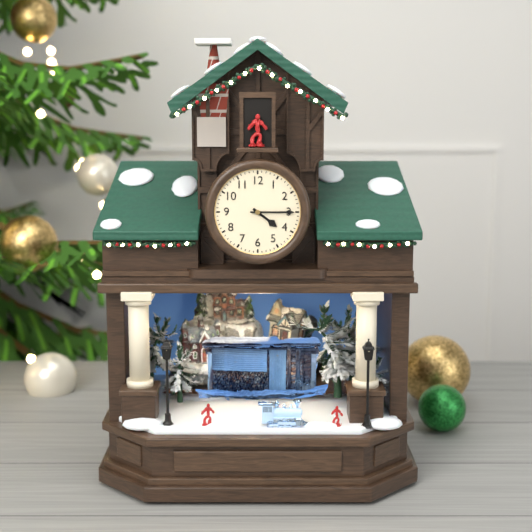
h=4 m=15
